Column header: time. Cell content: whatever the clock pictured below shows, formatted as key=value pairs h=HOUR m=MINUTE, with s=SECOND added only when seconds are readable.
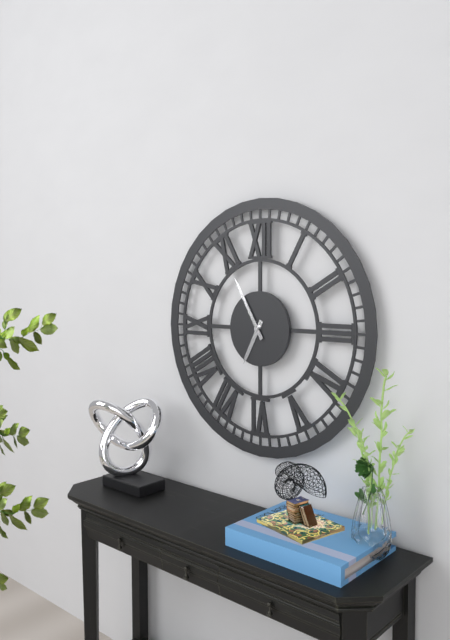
h=6 m=55
